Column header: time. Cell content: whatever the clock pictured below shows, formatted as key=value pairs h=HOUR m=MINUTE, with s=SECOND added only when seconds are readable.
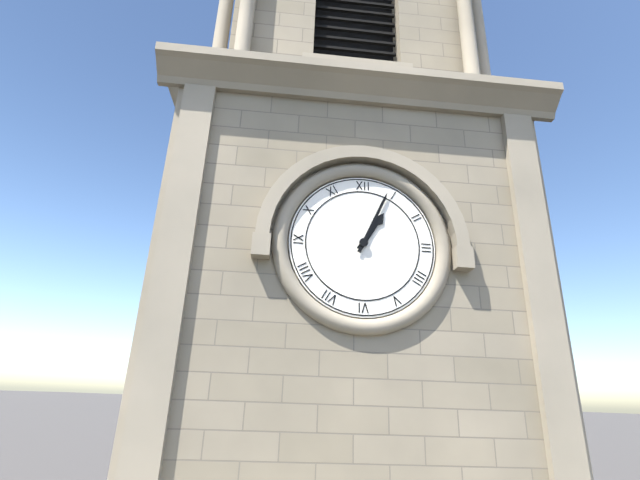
h=1 m=4
